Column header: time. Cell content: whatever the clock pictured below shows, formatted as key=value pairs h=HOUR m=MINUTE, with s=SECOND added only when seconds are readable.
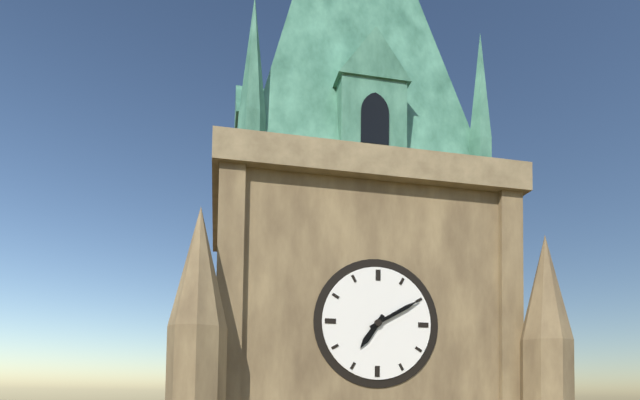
h=7 m=10
